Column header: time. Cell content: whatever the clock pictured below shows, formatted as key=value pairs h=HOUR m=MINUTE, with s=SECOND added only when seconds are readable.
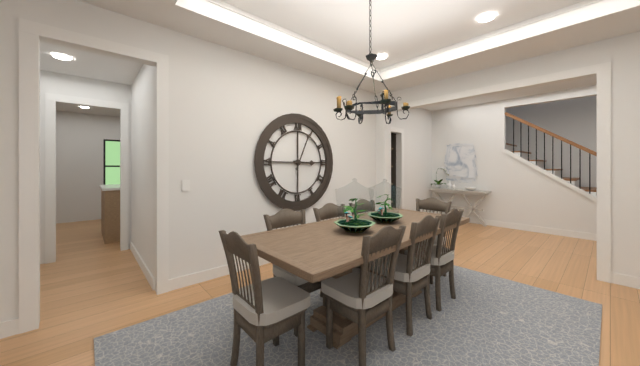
h=3 m=4
